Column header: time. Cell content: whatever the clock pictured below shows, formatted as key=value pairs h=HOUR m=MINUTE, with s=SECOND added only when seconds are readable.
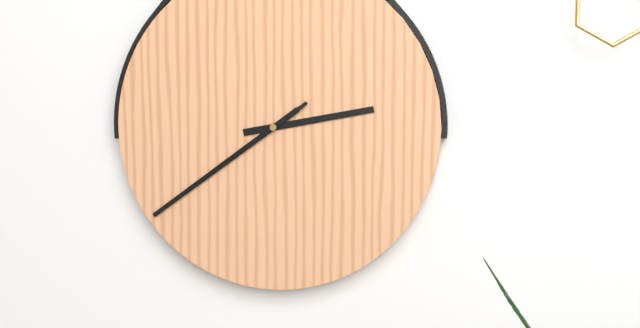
h=2 m=39 s=39
